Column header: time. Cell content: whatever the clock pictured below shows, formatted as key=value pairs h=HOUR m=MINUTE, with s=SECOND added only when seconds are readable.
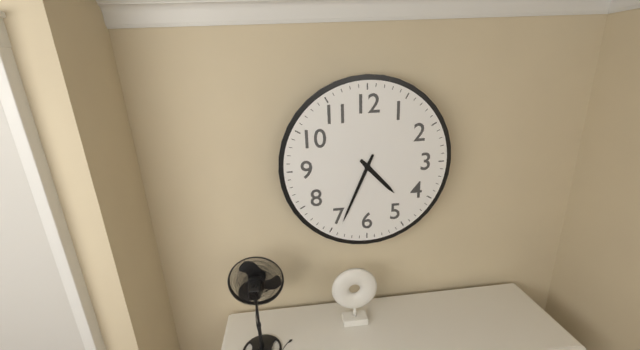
h=4 m=34
